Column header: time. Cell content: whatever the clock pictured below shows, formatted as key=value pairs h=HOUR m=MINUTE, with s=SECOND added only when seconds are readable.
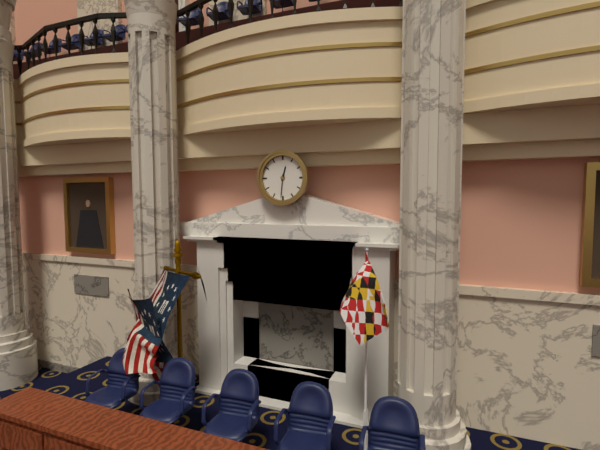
h=12 m=31
